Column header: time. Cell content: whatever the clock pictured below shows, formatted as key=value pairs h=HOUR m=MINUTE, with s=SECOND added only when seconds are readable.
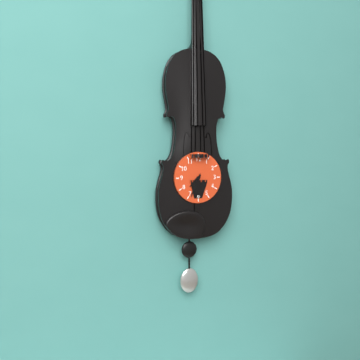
h=7 m=34
